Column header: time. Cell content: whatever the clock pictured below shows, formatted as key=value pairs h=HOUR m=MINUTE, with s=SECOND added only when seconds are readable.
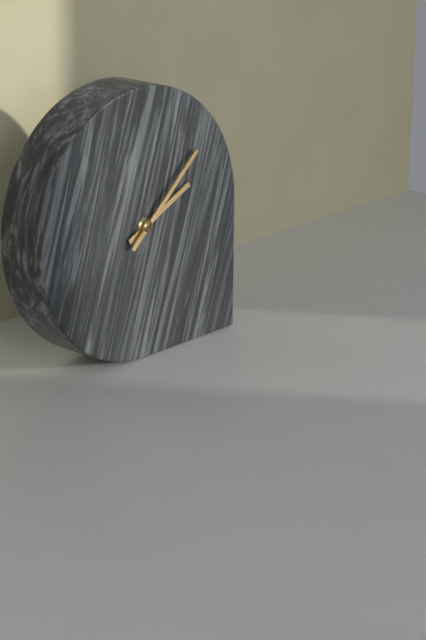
h=2 m=8
